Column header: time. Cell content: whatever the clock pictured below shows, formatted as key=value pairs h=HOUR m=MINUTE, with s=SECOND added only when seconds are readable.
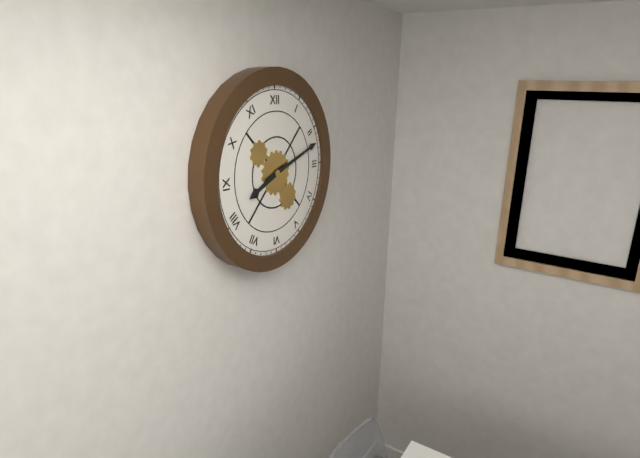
h=8 m=12
